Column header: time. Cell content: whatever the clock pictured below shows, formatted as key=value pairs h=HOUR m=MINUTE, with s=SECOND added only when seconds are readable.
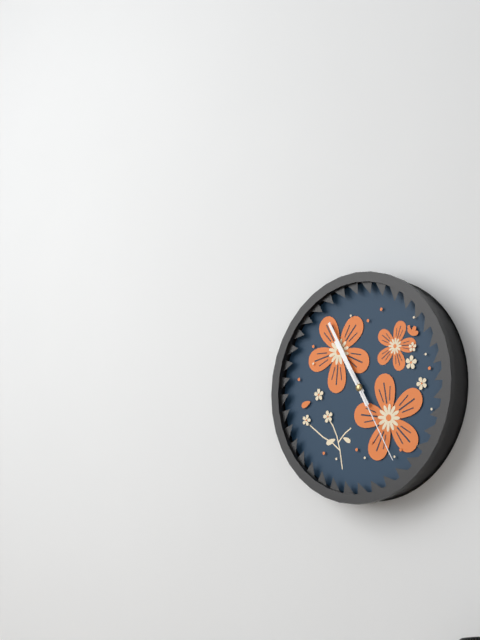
h=10 m=55 s=25
